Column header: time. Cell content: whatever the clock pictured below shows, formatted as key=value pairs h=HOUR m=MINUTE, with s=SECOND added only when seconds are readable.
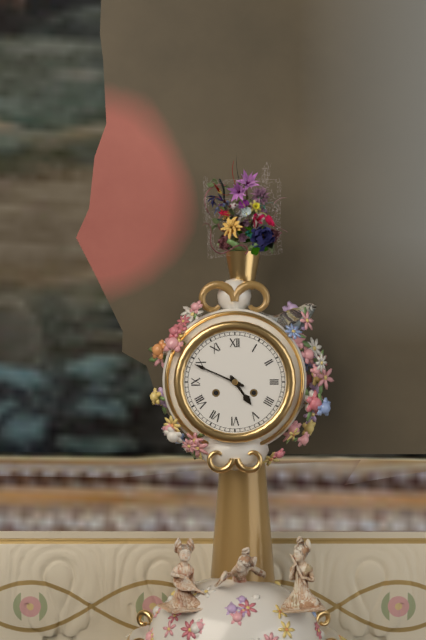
h=4 m=49
